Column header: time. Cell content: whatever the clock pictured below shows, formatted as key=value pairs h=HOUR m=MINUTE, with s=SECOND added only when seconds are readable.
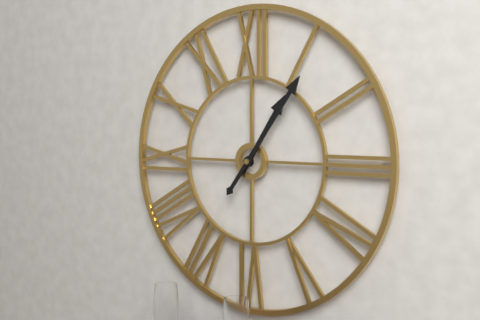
h=1 m=6
